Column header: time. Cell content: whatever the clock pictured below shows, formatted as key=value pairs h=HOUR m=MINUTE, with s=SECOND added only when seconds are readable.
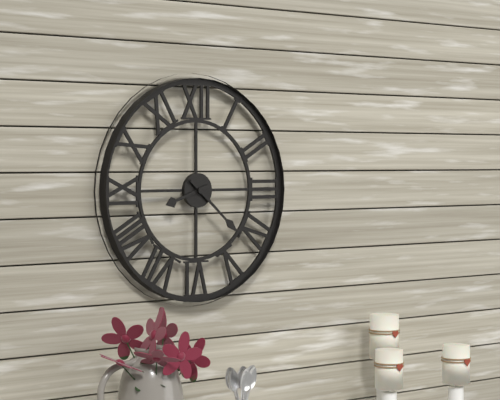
h=8 m=22
